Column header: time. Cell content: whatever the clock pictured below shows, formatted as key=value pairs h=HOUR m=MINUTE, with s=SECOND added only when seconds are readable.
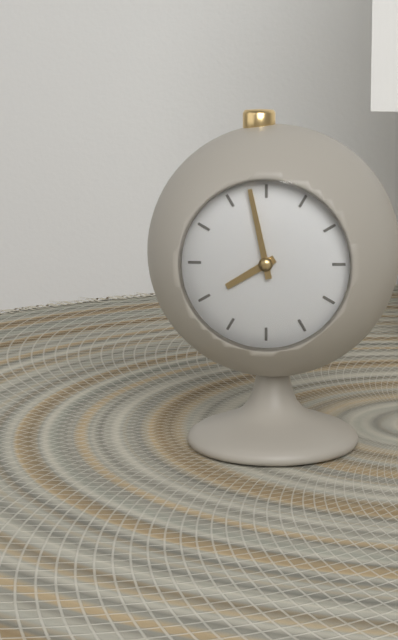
h=7 m=58
